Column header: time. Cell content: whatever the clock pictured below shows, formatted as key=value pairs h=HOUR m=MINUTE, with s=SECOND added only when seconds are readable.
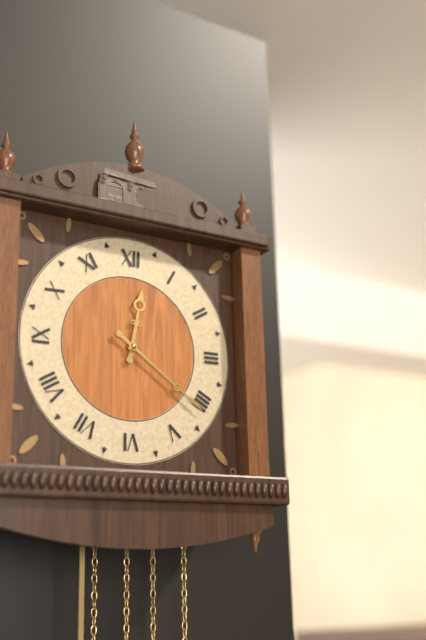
h=12 m=21
